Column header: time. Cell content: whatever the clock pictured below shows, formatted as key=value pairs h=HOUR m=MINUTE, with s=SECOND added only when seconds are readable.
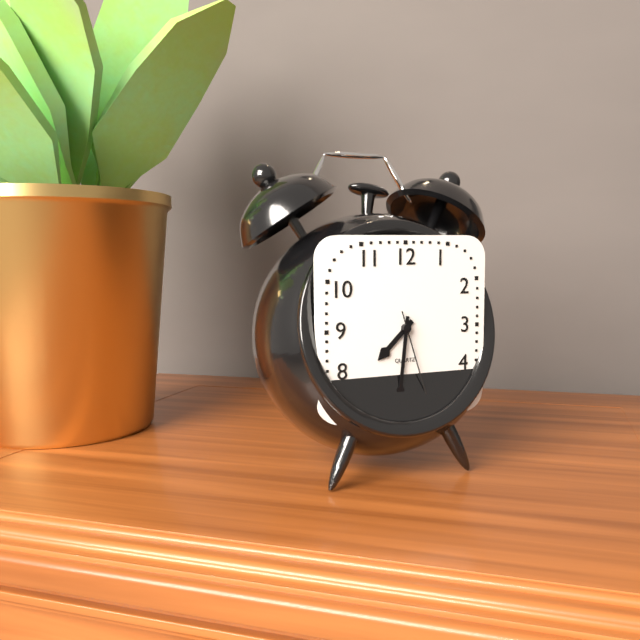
h=7 m=31 s=27
